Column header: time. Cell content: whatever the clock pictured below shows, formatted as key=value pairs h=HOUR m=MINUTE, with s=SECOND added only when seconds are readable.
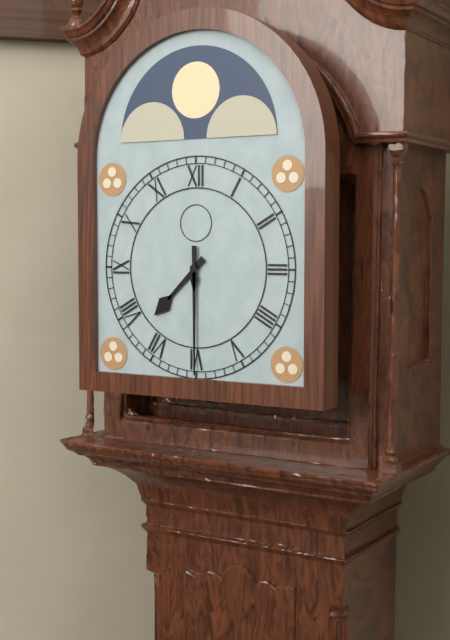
h=7 m=30
